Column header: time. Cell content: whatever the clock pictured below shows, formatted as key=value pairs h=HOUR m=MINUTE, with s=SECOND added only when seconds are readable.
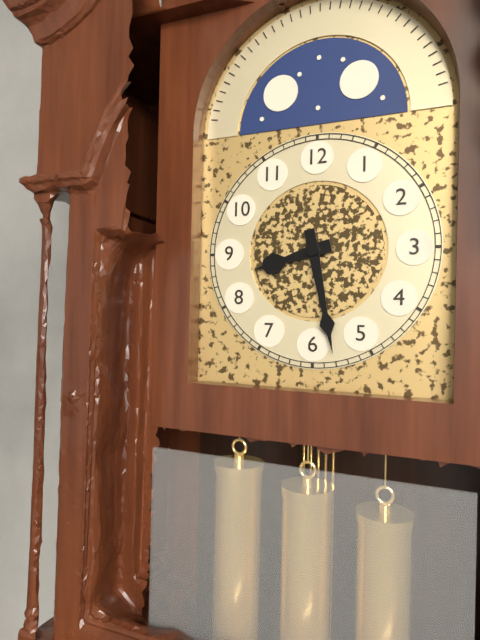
h=8 m=28
